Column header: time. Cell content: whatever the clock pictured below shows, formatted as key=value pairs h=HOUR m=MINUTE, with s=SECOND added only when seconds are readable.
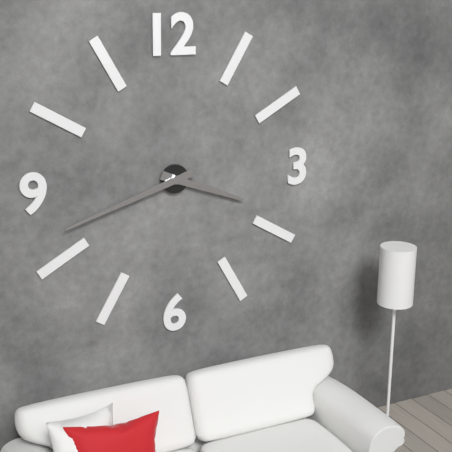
h=3 m=42
